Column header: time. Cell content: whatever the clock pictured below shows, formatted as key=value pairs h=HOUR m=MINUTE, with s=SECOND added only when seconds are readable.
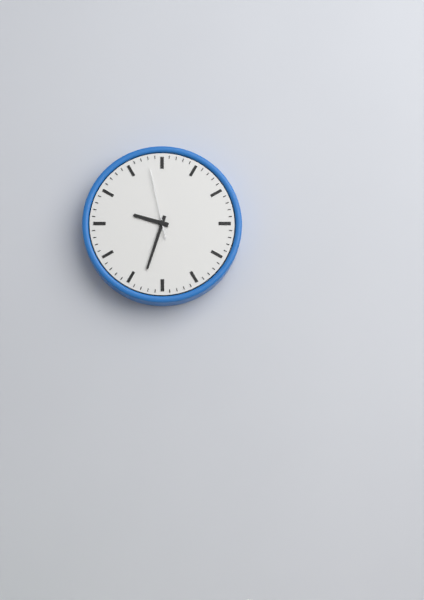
h=9 m=33 s=58
